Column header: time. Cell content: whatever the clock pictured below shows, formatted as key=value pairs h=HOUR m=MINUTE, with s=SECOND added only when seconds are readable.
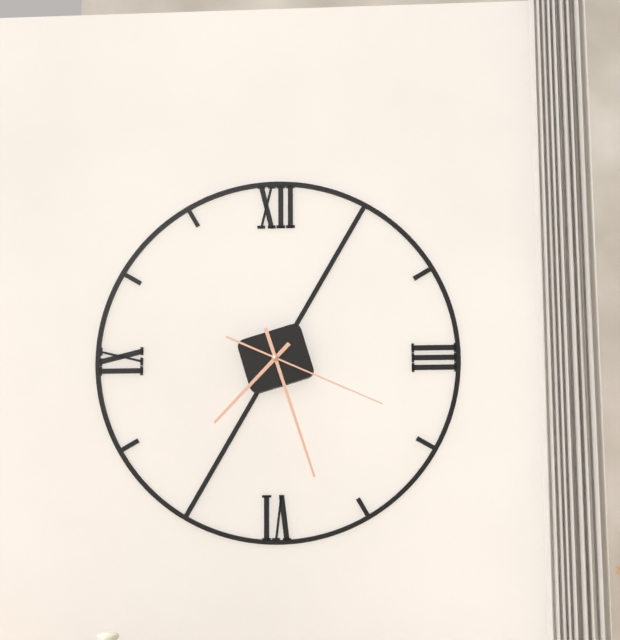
h=7 m=27 s=19
